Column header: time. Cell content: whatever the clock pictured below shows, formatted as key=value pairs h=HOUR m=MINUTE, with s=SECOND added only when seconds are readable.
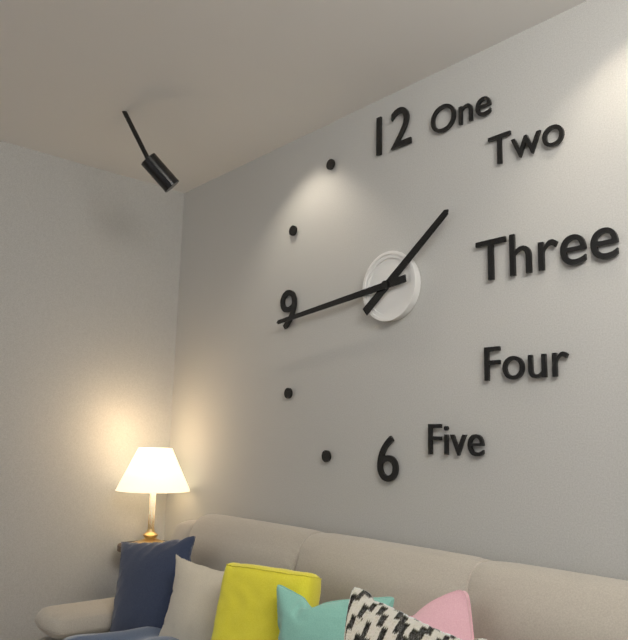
h=1 m=44
